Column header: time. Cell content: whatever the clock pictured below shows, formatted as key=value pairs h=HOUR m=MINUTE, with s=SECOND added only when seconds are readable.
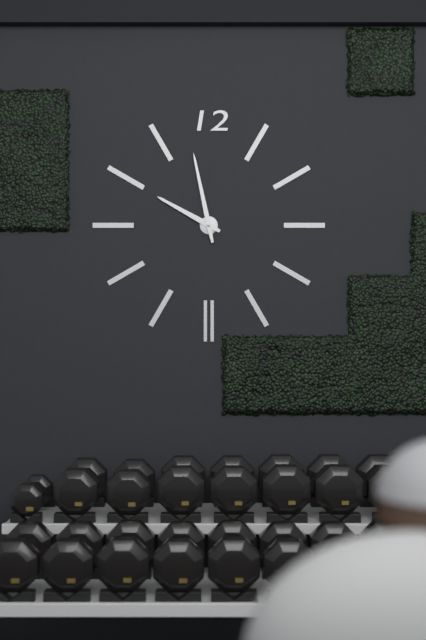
h=9 m=58
